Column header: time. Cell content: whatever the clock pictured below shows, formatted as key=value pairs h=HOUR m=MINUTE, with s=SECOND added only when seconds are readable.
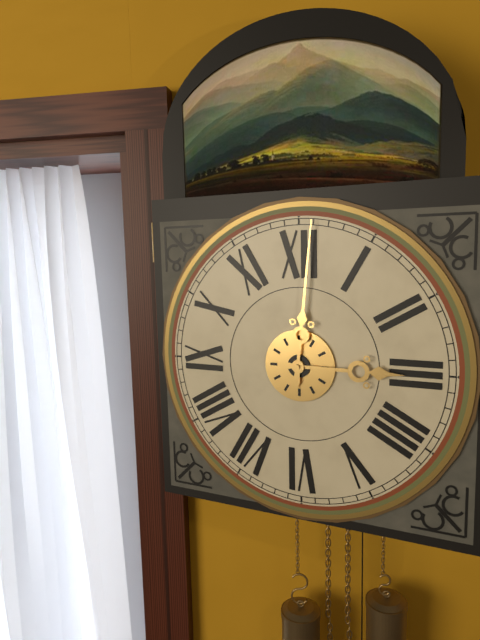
h=3 m=1
